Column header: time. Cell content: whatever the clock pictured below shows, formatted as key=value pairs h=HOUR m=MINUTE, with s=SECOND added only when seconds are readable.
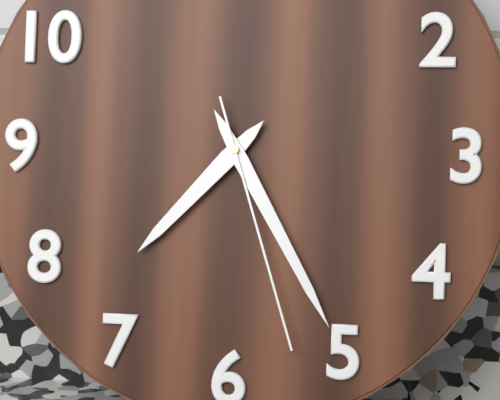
h=7 m=25 s=27
